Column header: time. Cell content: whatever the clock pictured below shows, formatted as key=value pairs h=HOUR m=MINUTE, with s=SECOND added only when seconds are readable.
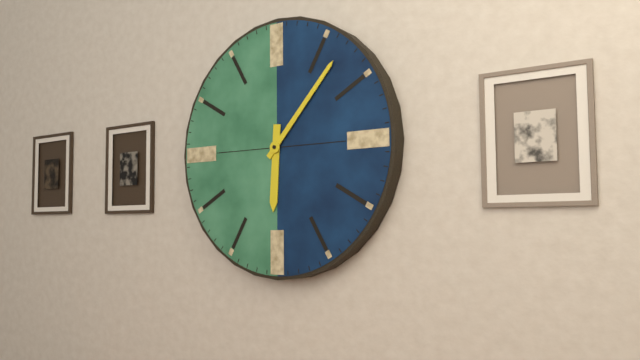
h=6 m=7
